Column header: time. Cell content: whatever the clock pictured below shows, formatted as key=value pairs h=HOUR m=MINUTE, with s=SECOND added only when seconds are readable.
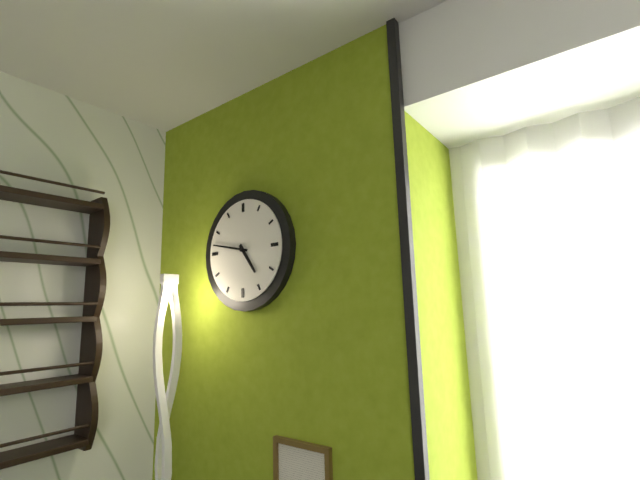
h=4 m=47
